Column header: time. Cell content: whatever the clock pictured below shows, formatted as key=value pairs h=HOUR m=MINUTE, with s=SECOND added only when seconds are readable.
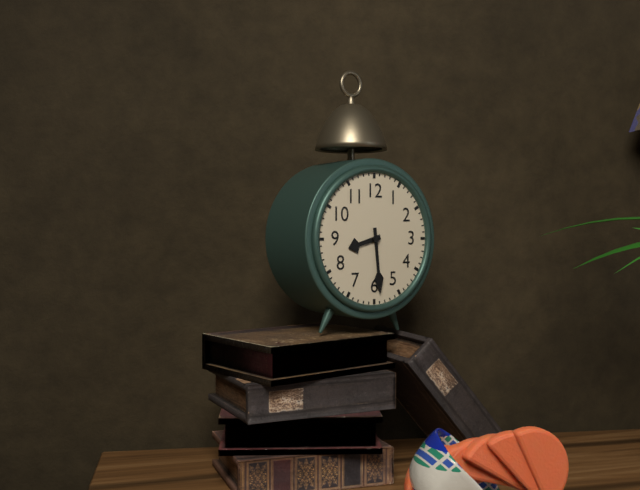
h=8 m=29
